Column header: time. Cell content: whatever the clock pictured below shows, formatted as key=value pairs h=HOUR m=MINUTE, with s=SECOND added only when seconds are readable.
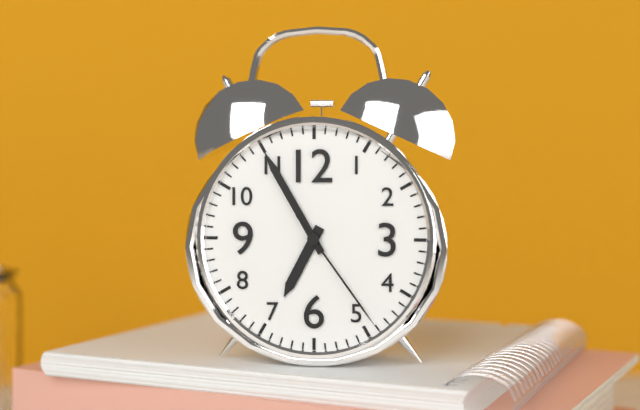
h=6 m=55 s=24
